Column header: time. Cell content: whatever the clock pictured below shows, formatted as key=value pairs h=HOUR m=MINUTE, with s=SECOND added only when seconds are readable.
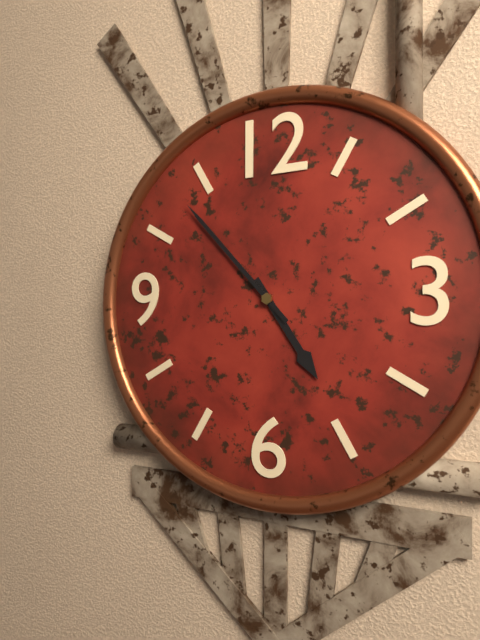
h=4 m=53
